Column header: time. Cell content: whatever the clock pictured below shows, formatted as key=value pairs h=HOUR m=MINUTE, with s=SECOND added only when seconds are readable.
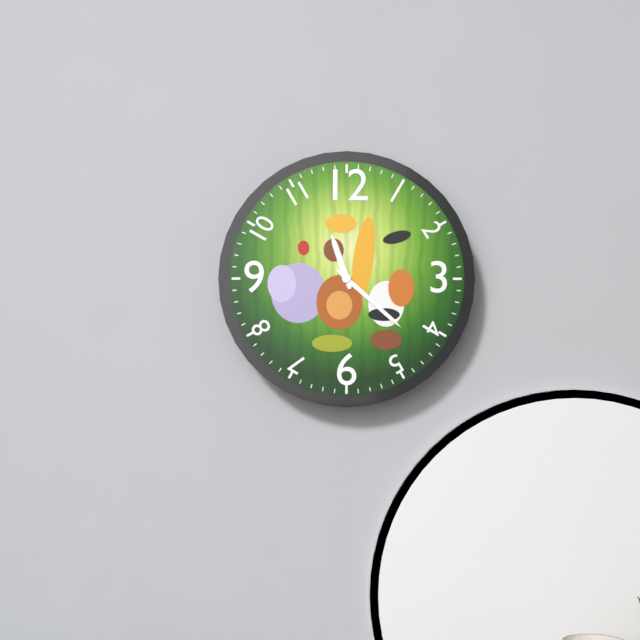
h=11 m=22
